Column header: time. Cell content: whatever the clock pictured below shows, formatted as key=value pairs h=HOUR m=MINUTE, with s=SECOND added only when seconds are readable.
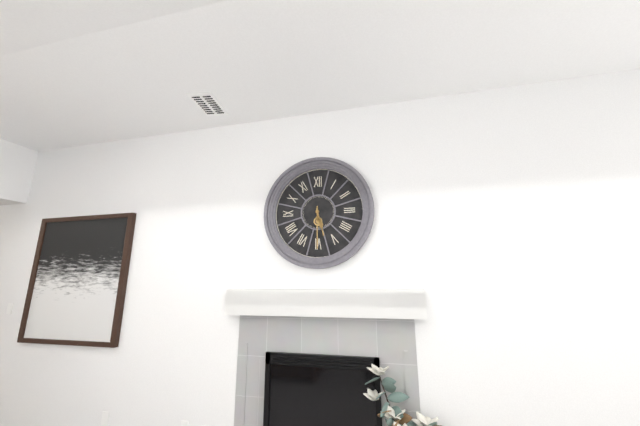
h=5 m=30
